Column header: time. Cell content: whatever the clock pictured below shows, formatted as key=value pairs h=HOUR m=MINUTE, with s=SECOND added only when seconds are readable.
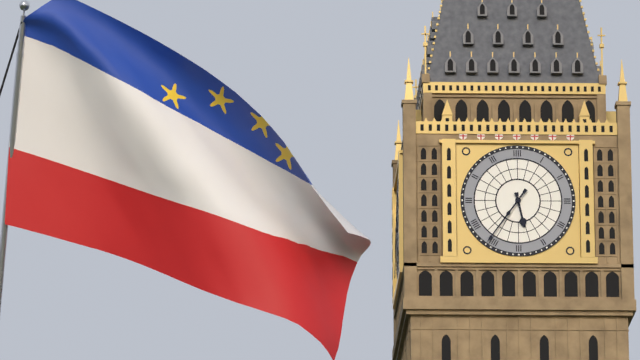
h=5 m=36
